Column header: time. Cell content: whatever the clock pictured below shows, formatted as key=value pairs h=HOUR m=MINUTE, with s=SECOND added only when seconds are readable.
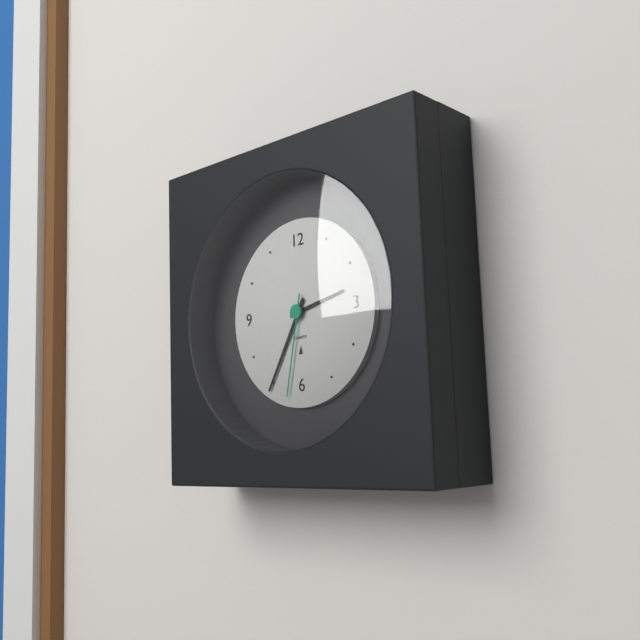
h=2 m=35 s=32
